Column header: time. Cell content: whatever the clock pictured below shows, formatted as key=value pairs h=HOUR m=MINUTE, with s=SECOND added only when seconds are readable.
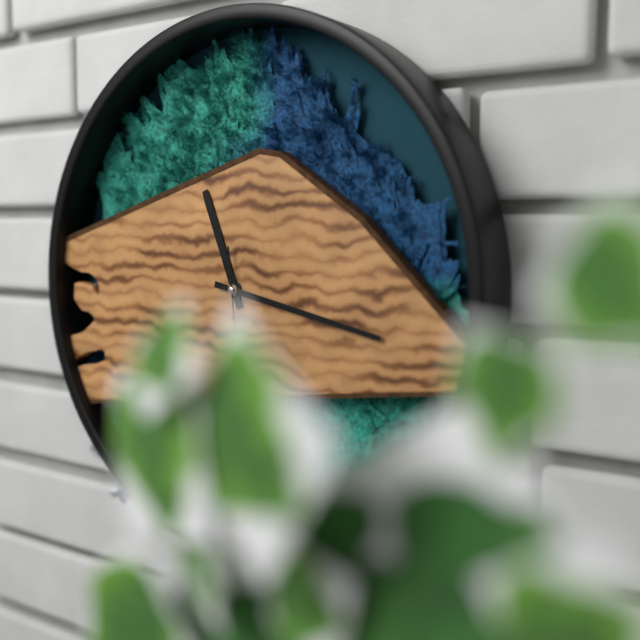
h=11 m=17
